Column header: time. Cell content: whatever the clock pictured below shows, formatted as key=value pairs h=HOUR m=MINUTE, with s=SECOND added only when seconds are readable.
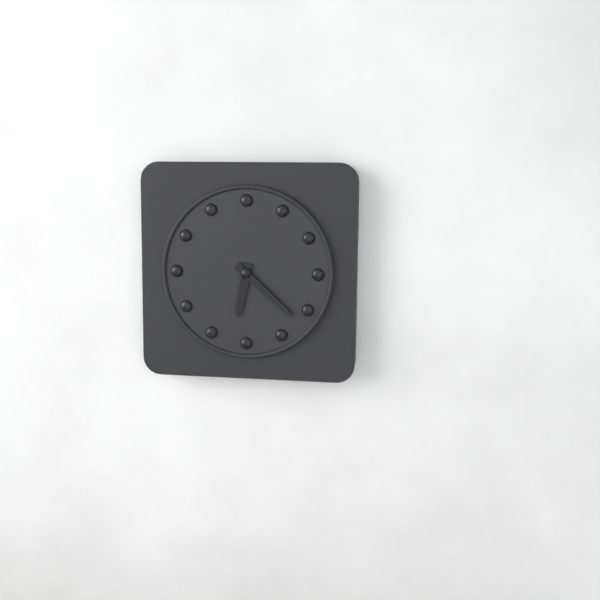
h=6 m=22
